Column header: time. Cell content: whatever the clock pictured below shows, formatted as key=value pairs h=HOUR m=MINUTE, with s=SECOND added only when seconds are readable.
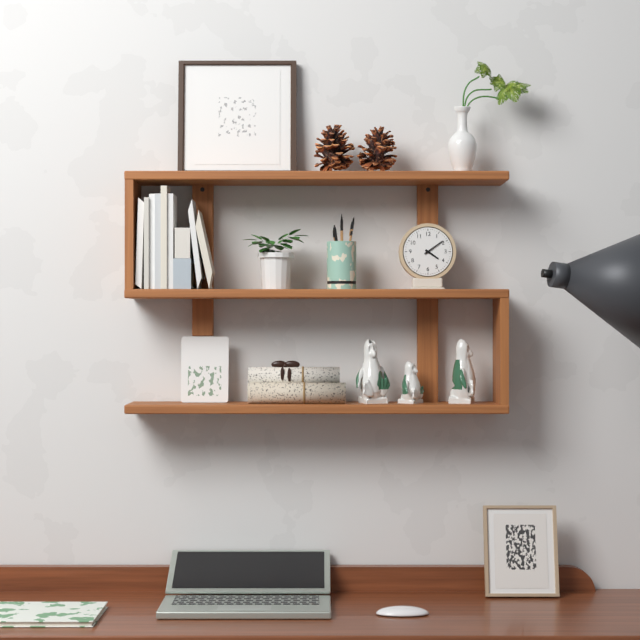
h=4 m=9
